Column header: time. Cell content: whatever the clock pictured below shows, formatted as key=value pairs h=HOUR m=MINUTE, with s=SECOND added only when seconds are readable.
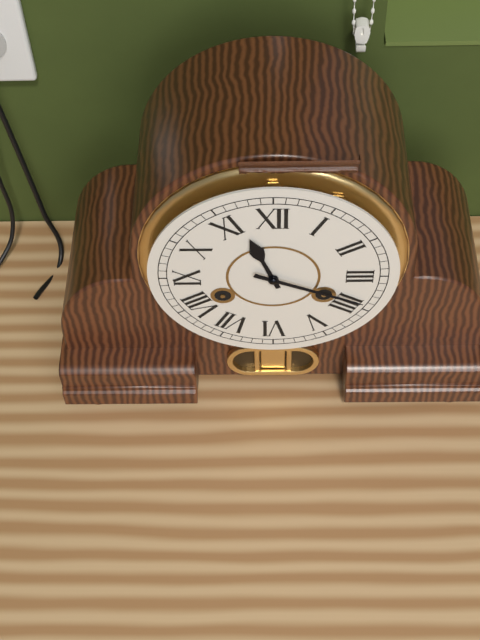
h=11 m=19
